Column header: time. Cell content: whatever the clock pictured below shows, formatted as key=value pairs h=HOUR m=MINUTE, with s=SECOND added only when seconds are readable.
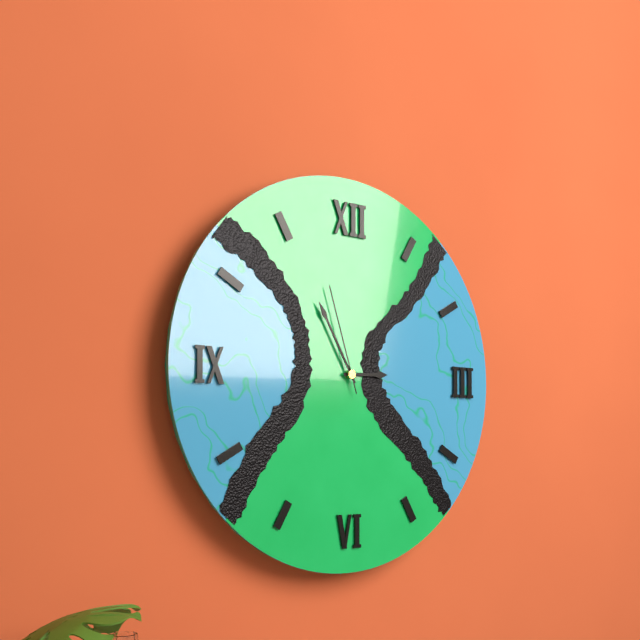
h=2 m=55 s=57
